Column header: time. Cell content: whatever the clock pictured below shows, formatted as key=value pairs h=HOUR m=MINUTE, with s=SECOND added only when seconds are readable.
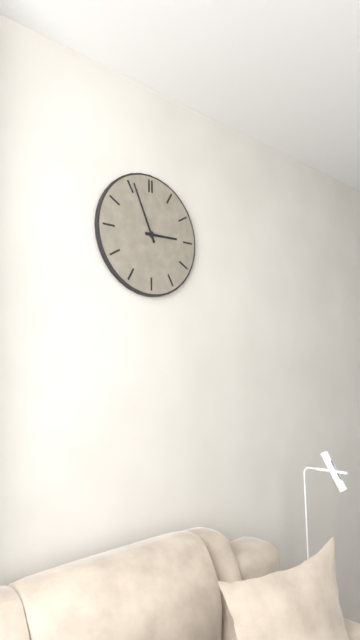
h=2 m=56
